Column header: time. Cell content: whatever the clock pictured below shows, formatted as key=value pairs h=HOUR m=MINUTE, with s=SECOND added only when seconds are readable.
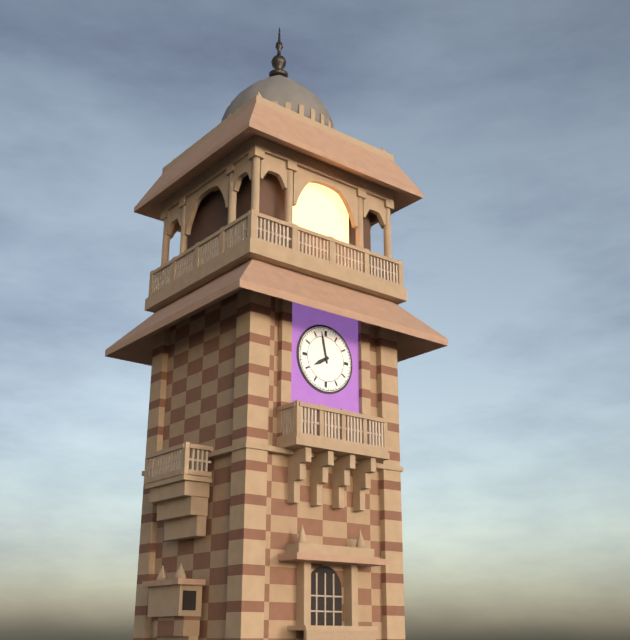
h=7 m=58
